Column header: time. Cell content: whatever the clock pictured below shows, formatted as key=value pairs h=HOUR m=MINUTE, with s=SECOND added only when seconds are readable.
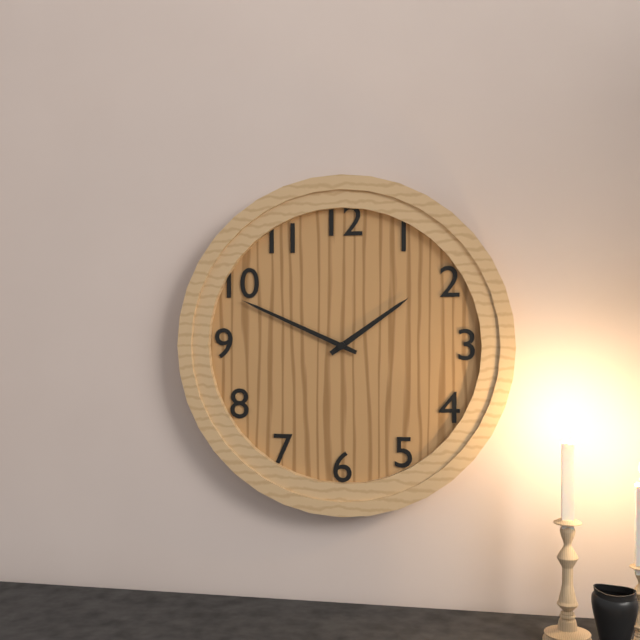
h=1 m=49
